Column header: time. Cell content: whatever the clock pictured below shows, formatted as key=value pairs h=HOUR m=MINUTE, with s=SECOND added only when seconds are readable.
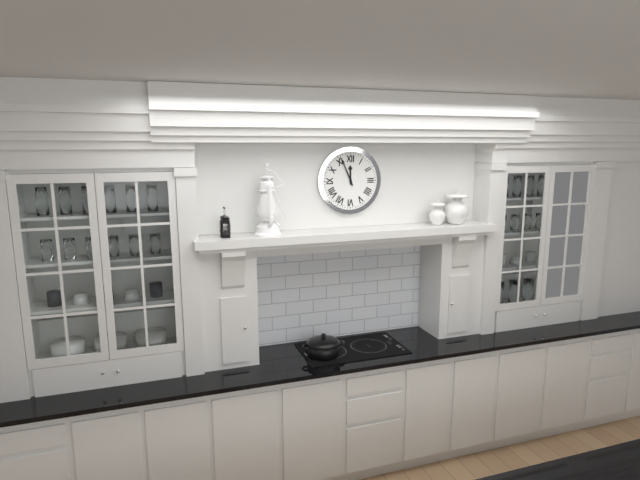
h=11 m=56
